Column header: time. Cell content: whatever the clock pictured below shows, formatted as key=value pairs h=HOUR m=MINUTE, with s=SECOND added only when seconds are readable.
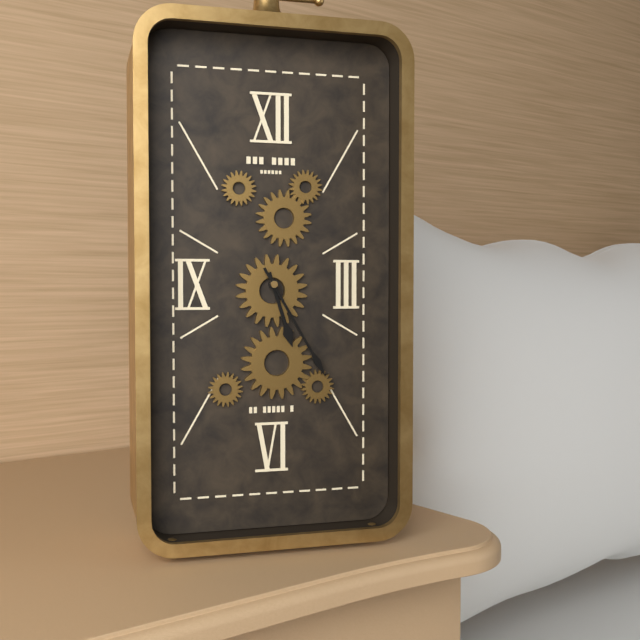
h=5 m=25
